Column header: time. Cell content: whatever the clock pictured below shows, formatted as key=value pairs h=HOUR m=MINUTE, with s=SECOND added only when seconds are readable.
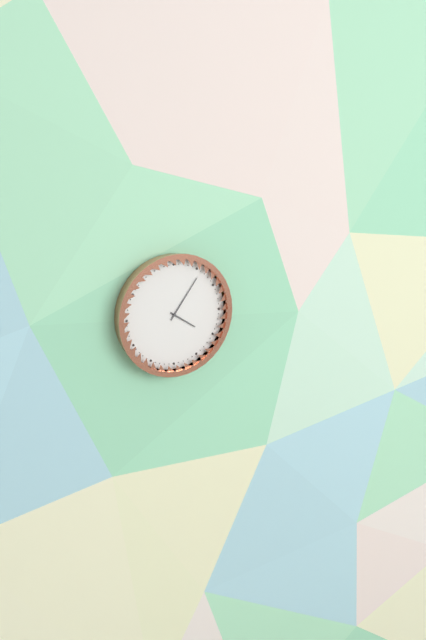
h=4 m=6
